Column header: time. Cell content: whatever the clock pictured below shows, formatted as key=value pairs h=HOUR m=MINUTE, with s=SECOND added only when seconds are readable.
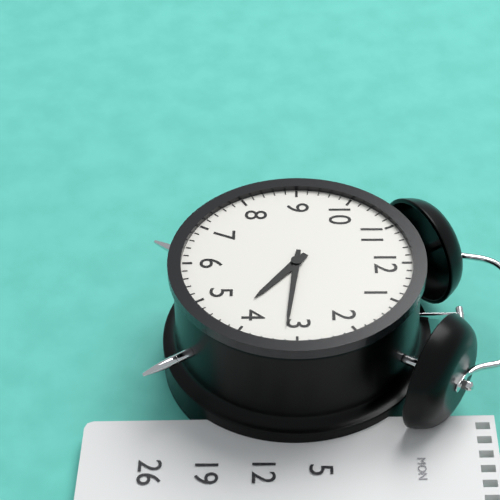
h=4 m=16
